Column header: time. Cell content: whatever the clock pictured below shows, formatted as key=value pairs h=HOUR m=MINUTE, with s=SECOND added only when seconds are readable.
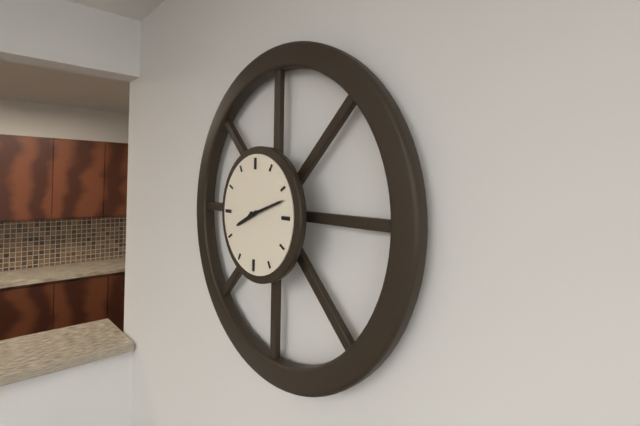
h=8 m=12
